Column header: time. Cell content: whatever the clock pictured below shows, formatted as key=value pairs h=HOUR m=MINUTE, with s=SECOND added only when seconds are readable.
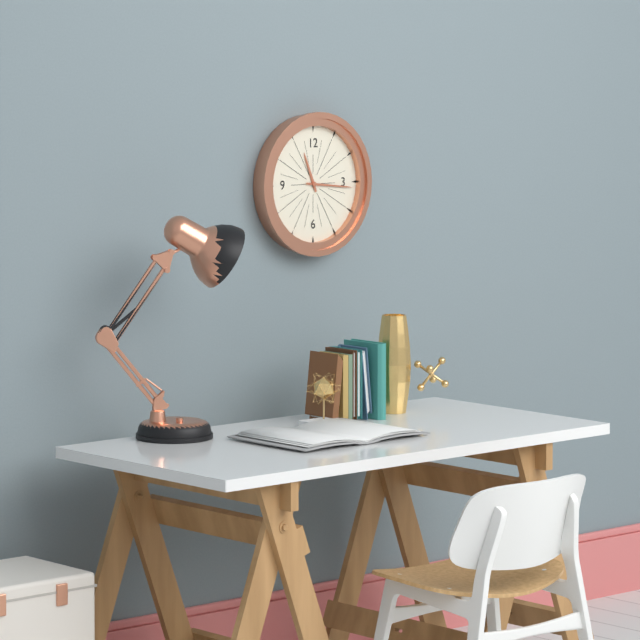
h=11 m=16
